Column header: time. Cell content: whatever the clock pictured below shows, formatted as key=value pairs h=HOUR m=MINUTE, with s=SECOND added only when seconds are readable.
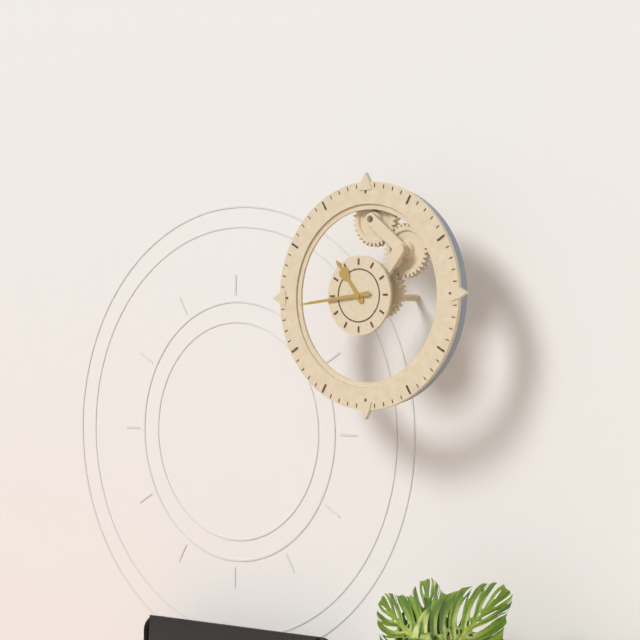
h=10 m=44
